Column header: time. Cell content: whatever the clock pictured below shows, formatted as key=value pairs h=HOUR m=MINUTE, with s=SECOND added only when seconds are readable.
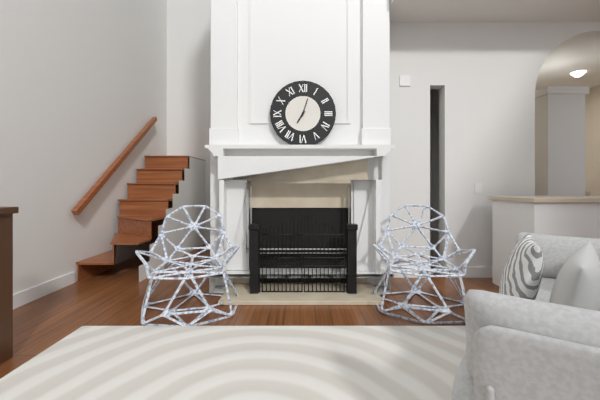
h=7 m=3
